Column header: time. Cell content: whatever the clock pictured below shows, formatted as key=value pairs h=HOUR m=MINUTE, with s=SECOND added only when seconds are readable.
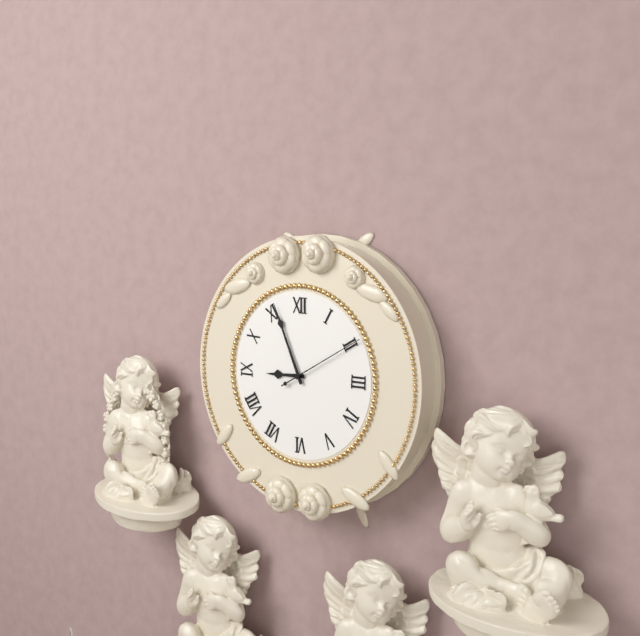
h=8 m=56 s=10
